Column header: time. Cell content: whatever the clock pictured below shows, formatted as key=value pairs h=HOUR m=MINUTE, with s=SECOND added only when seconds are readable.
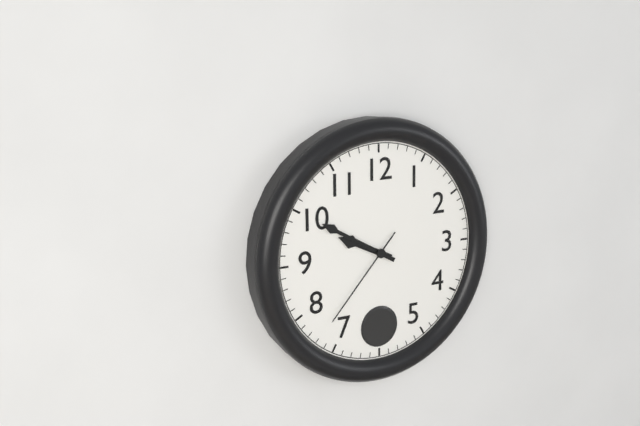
h=9 m=50 s=37
